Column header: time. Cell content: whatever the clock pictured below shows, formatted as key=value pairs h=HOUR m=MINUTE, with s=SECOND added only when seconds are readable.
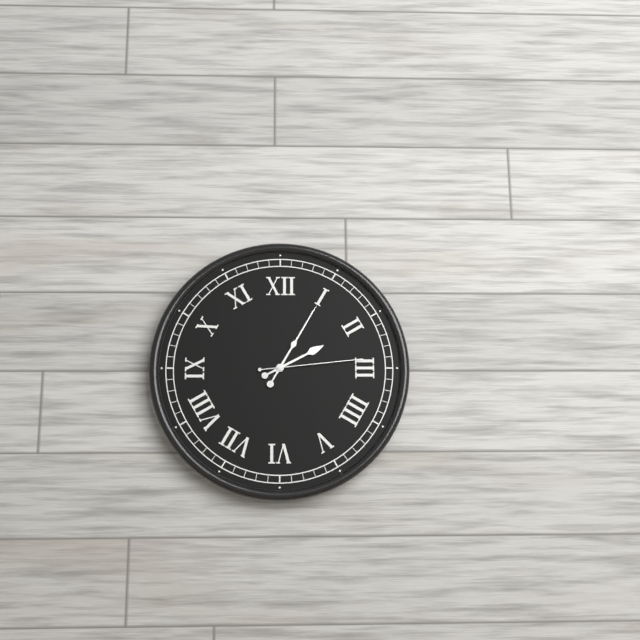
h=2 m=5 s=14
